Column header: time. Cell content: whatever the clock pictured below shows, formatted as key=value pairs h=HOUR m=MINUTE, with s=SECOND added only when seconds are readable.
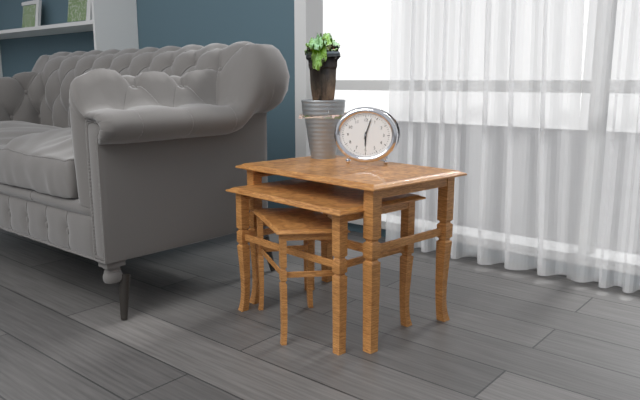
h=6 m=3
